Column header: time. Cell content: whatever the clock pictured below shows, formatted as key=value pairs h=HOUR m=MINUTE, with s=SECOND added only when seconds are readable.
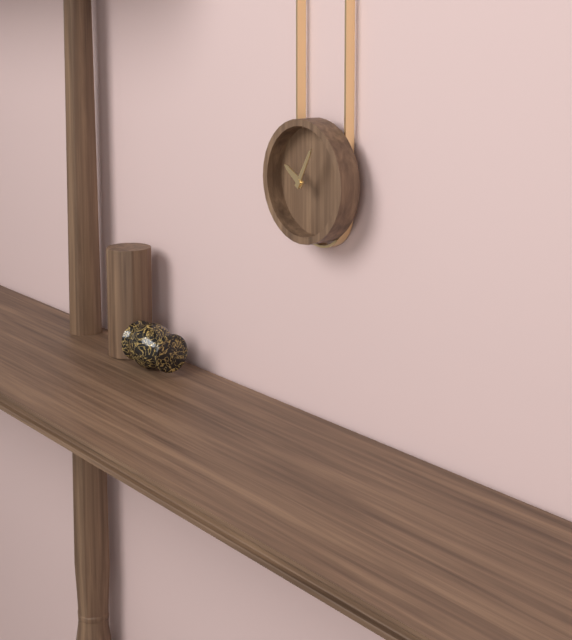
h=10 m=5
